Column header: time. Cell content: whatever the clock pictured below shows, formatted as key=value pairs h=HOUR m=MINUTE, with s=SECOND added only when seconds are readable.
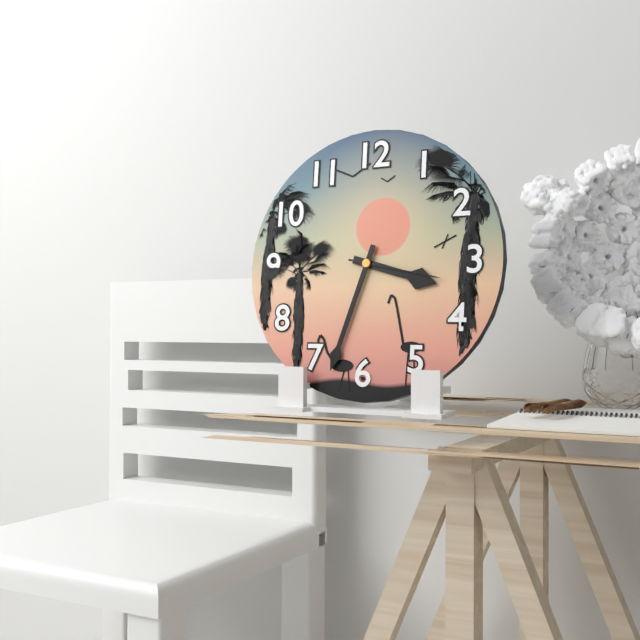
h=3 m=33 s=17
